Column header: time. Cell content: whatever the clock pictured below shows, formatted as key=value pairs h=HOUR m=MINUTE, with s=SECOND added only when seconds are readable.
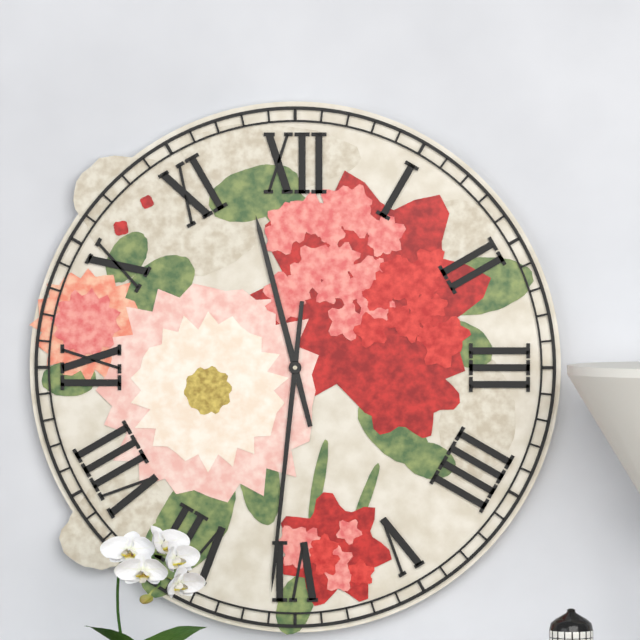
h=11 m=31
